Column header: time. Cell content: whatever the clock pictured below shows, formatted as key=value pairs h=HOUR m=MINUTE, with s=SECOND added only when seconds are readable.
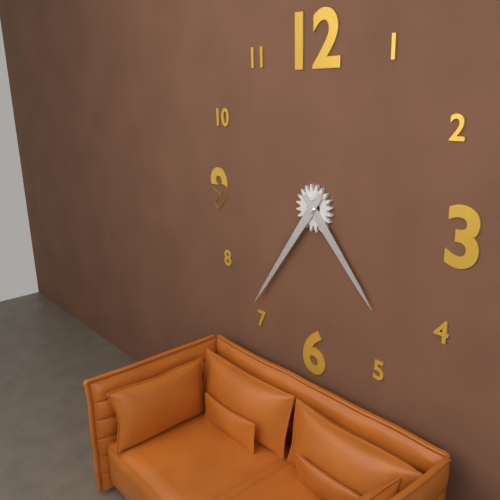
h=4 m=36
